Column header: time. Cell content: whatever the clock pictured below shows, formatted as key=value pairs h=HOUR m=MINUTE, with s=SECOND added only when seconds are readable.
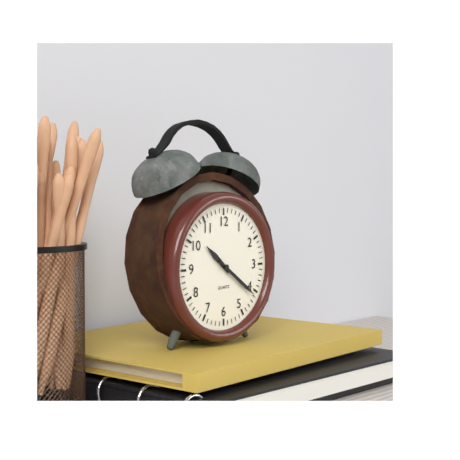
h=10 m=21
